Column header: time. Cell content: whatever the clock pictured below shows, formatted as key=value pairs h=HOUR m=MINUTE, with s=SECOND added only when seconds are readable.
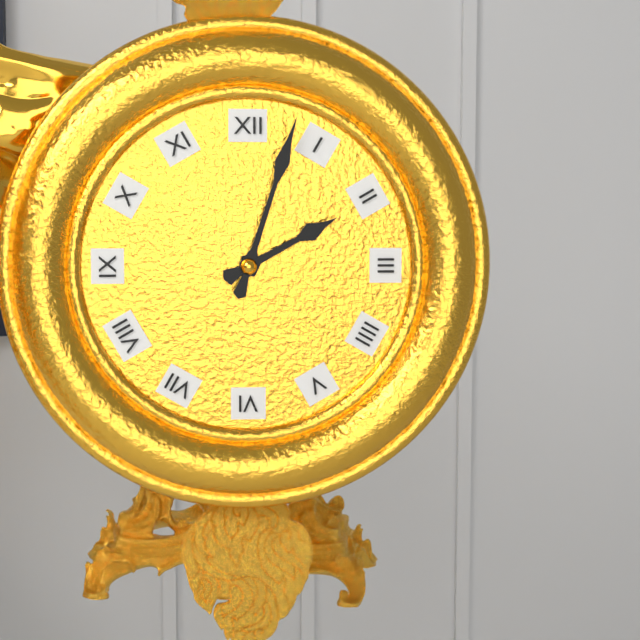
h=2 m=3
